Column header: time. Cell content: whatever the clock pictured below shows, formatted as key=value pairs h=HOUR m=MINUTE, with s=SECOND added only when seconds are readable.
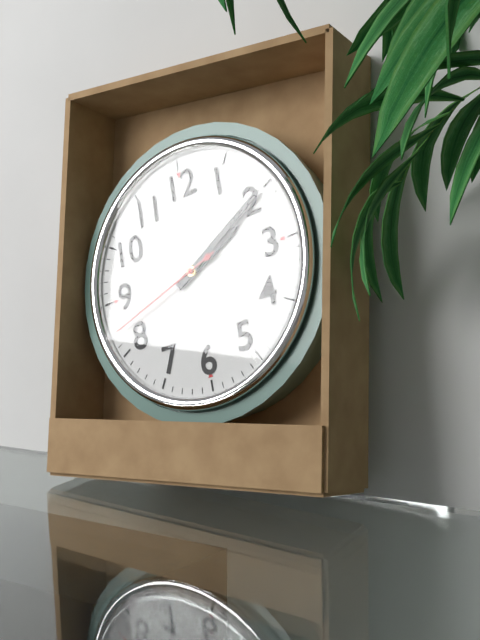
h=2 m=10 s=42
